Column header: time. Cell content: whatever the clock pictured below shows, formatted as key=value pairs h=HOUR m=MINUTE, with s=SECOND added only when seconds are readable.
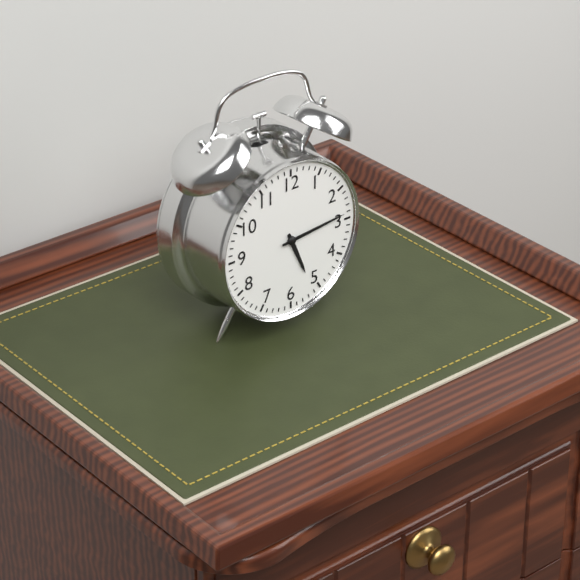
h=5 m=14
